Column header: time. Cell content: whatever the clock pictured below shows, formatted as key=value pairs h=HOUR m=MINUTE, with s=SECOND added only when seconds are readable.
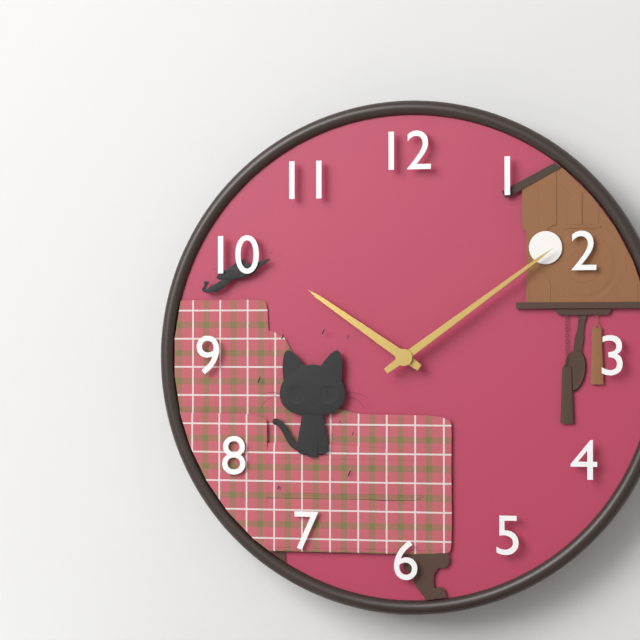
h=10 m=9
